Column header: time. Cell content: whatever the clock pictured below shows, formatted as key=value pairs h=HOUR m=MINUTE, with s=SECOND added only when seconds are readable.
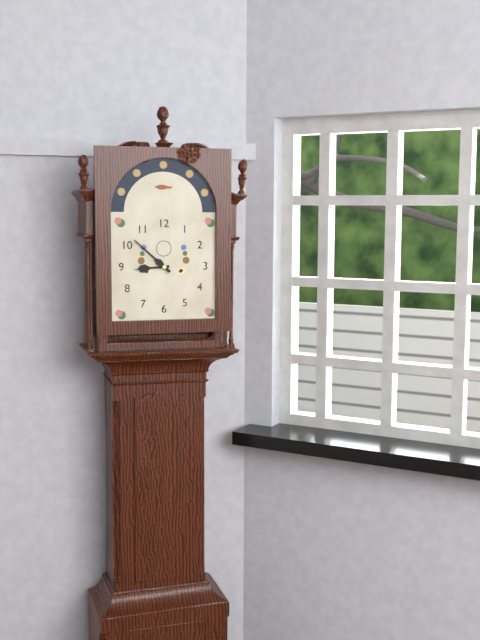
h=8 m=52
